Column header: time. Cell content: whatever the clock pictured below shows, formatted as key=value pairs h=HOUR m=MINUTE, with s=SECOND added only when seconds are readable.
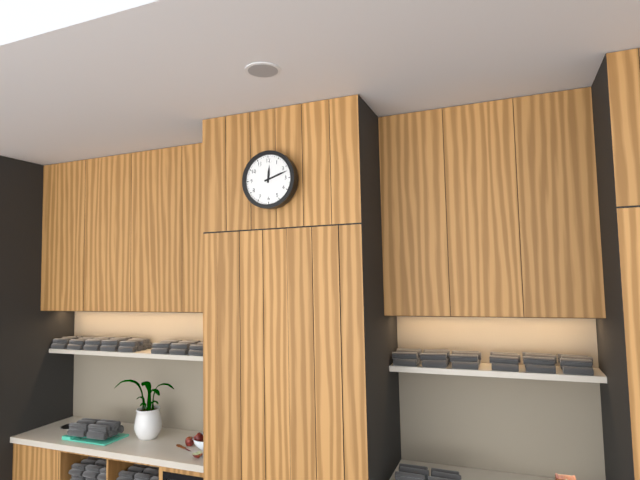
h=12 m=12
